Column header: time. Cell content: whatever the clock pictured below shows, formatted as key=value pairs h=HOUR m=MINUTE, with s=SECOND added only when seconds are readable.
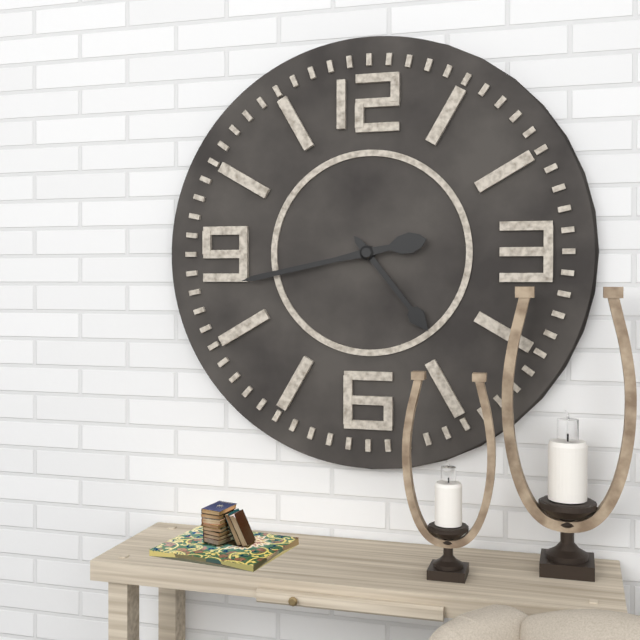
h=4 m=43
